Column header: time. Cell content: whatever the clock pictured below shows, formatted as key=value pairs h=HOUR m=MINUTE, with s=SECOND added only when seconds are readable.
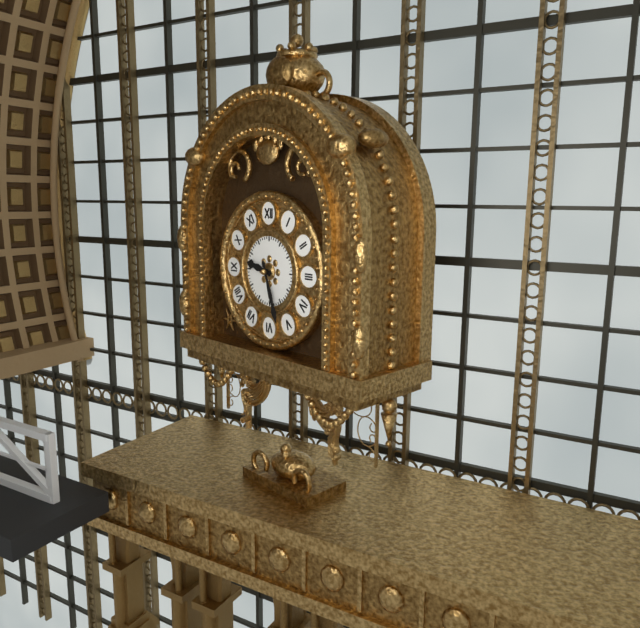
h=9 m=27
